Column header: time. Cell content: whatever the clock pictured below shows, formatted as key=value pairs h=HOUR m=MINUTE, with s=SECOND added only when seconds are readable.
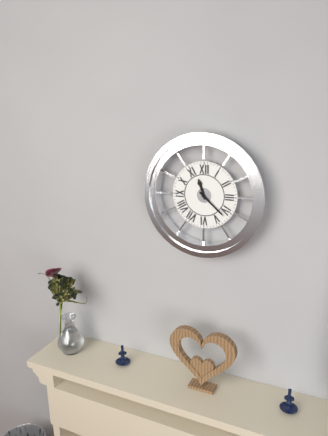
h=11 m=22
